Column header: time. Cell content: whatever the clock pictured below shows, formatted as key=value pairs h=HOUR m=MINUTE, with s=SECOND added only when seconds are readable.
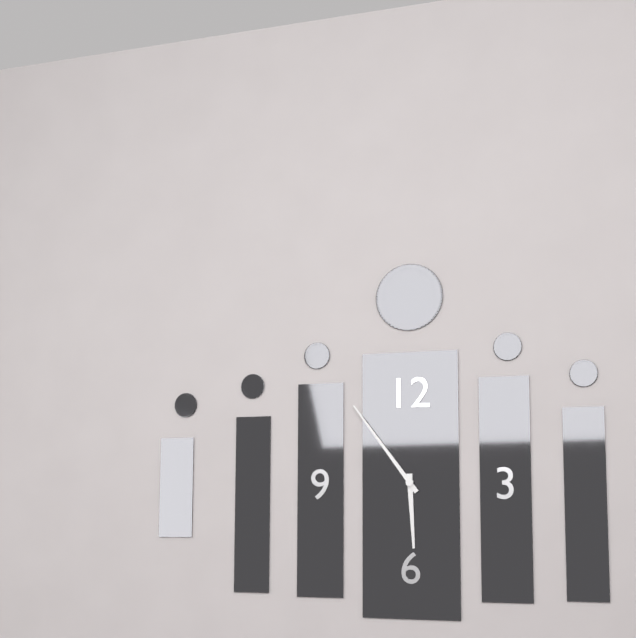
h=5 m=54
